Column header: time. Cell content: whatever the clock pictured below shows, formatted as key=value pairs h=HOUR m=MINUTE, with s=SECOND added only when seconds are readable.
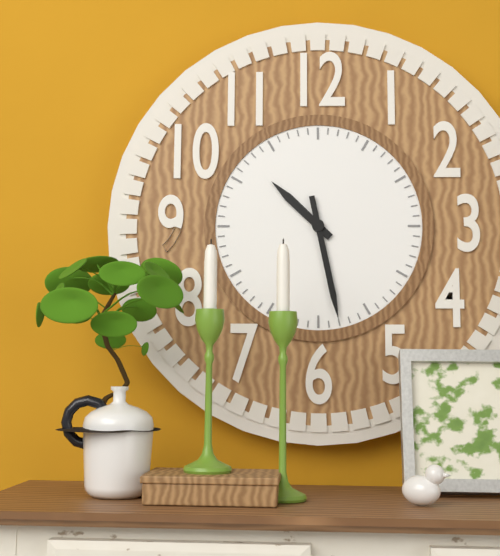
h=10 m=28
